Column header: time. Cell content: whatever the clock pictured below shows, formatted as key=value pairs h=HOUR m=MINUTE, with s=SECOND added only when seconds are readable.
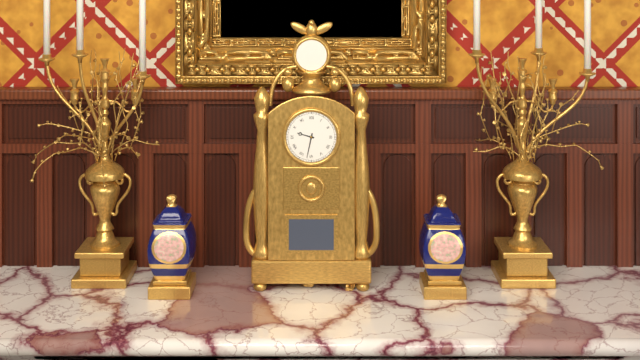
h=9 m=32
